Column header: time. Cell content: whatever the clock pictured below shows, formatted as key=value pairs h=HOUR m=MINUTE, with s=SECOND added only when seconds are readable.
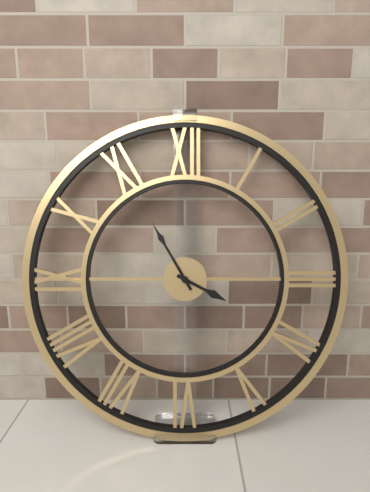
h=3 m=55
